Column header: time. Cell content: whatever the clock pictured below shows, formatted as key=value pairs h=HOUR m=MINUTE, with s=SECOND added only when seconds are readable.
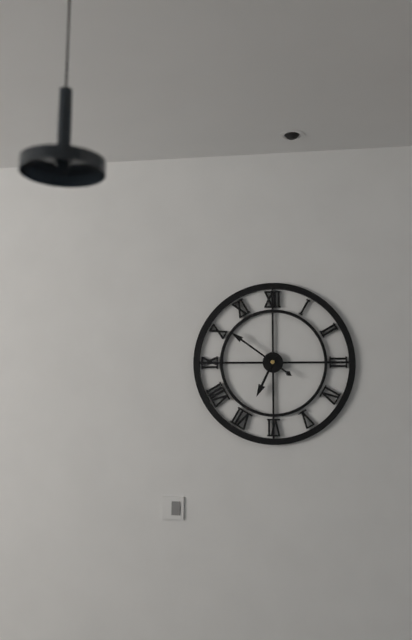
h=6 m=51
